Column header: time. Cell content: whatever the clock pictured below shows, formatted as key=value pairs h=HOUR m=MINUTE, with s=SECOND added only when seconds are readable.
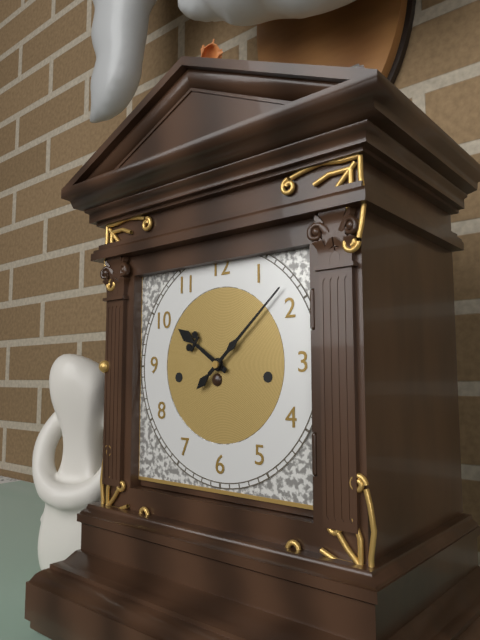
h=10 m=8
